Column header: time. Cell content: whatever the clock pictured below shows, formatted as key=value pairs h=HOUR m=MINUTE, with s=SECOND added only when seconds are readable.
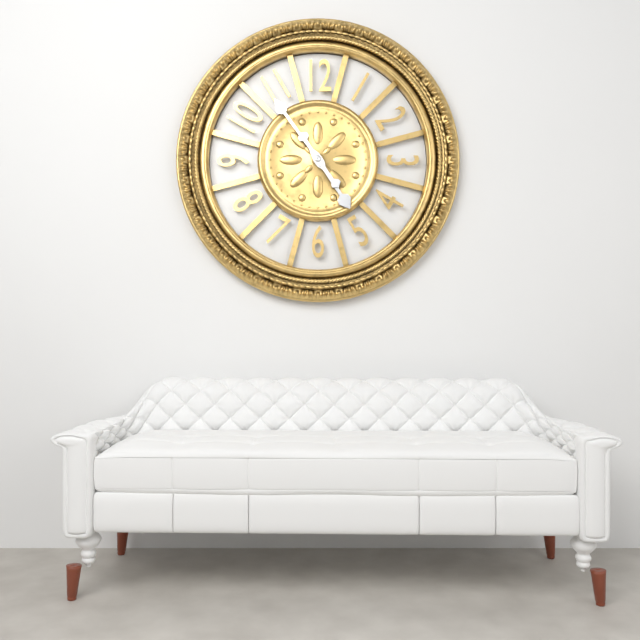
h=4 m=54
